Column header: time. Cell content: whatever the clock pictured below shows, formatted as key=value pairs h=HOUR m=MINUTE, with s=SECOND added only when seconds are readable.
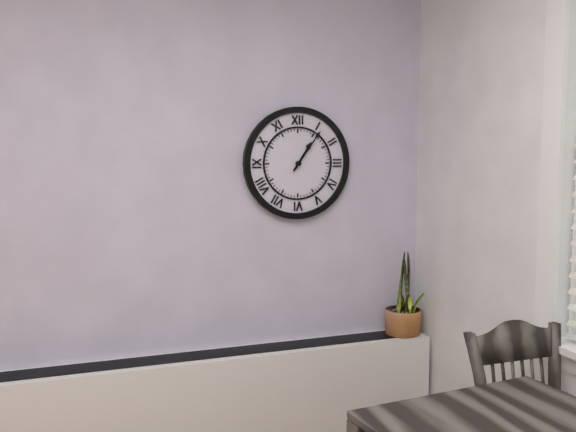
h=1 m=6
